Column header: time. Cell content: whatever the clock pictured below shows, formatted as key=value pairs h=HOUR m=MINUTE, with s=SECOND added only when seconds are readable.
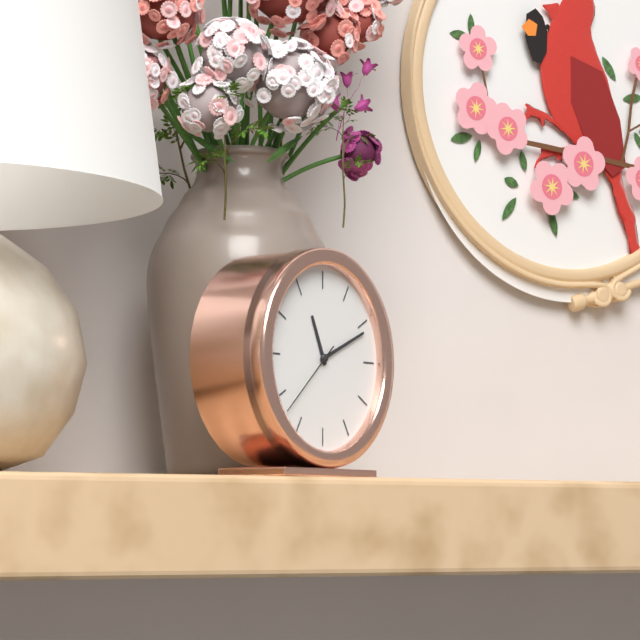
h=11 m=11 s=38
